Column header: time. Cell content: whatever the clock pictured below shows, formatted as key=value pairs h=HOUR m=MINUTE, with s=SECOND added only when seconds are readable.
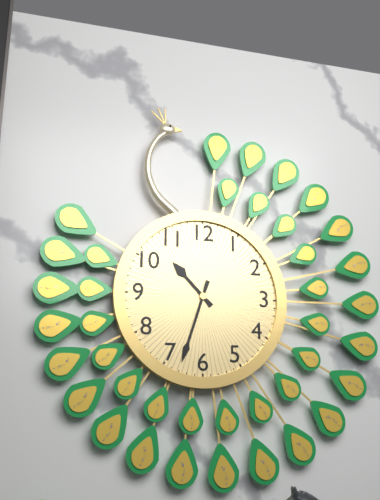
h=10 m=33
